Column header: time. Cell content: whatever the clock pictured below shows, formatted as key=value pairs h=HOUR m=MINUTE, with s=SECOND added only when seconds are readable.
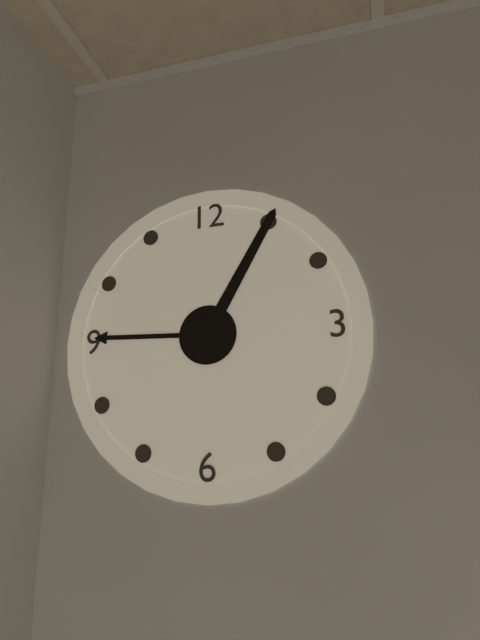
h=9 m=5
